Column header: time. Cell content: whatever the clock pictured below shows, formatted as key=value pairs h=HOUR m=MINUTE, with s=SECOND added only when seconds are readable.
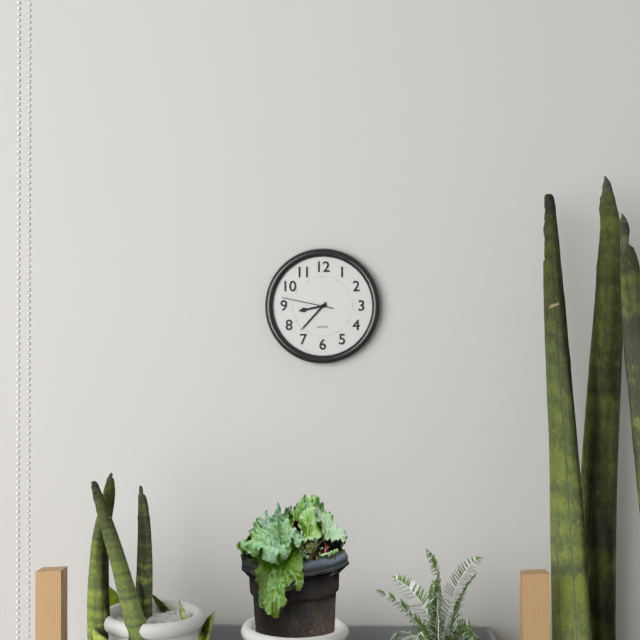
h=8 m=37 s=47
